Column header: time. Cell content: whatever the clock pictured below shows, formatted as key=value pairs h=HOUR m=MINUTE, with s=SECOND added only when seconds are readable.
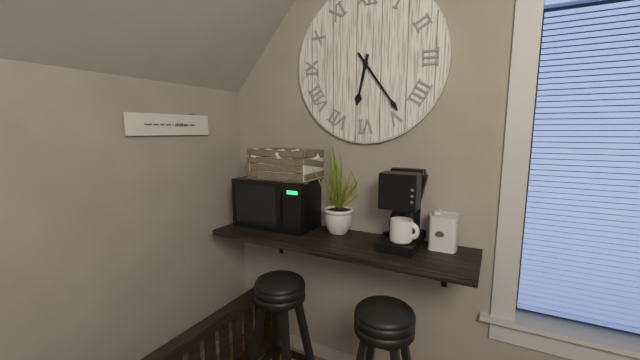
h=6 m=24
